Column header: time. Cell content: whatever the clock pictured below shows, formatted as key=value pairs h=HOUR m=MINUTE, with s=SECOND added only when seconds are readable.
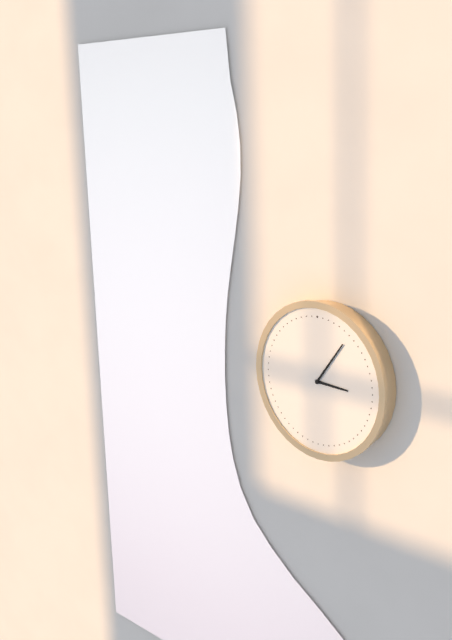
h=3 m=6
